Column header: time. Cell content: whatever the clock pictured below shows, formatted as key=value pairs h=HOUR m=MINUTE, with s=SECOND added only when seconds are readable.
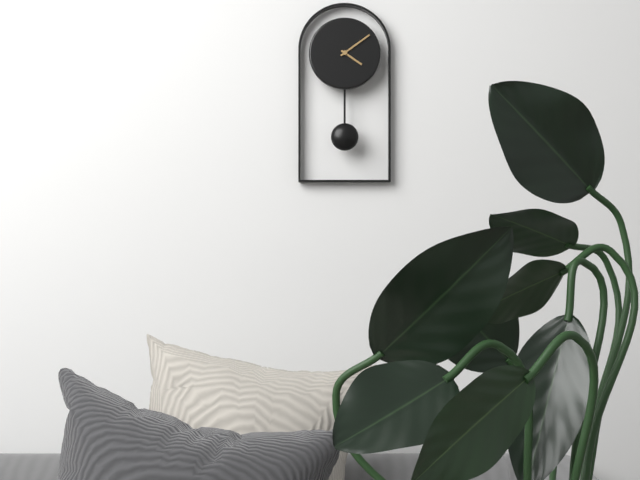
h=4 m=9
